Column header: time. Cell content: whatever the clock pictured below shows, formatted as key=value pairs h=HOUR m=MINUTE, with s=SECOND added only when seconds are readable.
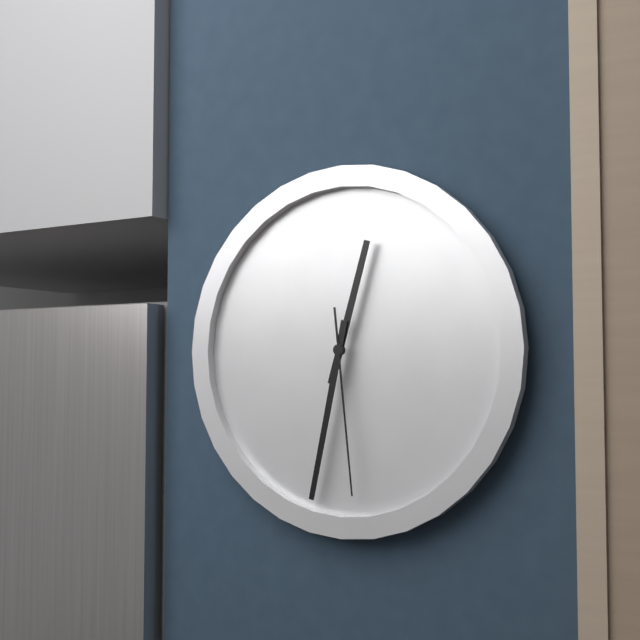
h=12 m=32 s=29
